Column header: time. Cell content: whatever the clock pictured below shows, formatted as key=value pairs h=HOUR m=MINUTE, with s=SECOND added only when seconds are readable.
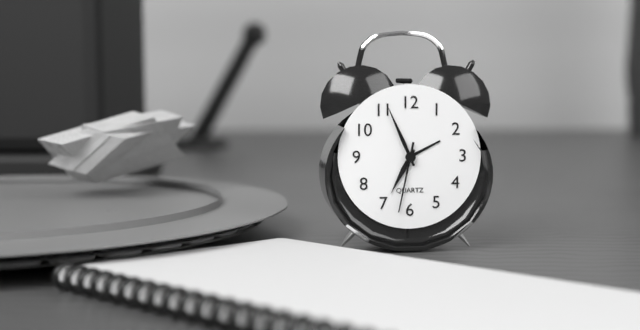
h=6 m=56 s=32
